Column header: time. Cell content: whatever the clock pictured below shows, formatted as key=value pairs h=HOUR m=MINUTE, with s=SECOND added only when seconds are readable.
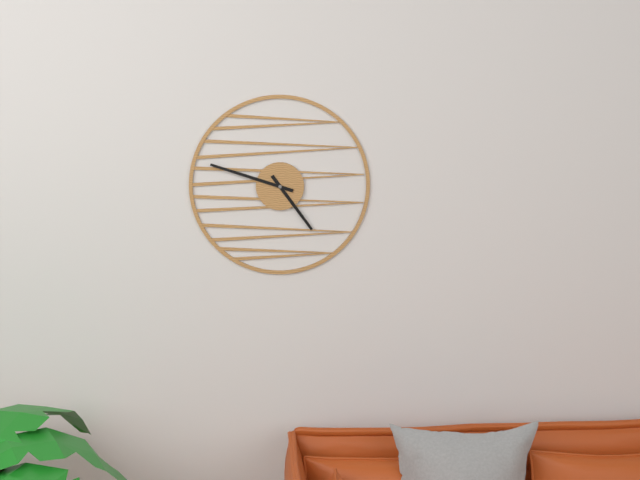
h=4 m=48
